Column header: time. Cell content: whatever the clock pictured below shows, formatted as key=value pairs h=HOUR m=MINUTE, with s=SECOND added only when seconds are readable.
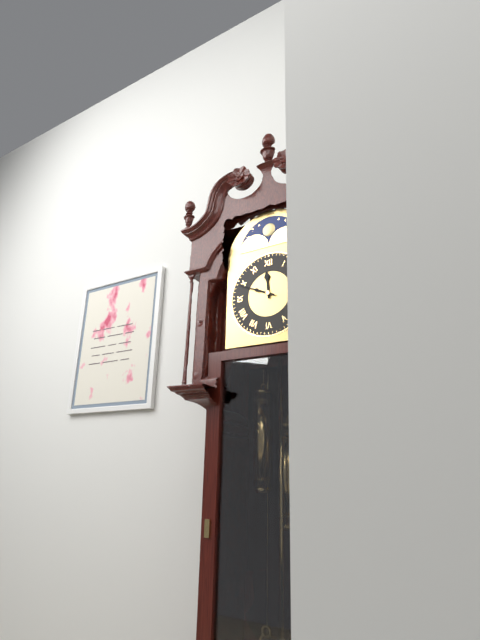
h=11 m=49
